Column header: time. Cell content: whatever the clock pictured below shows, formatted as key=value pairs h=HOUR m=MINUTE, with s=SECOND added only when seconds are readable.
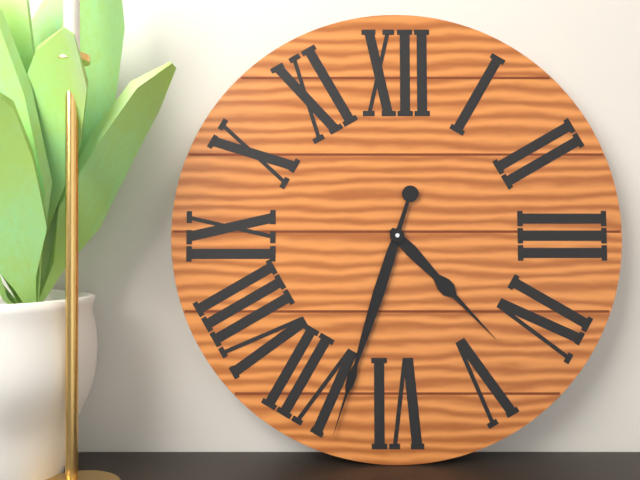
h=4 m=33
